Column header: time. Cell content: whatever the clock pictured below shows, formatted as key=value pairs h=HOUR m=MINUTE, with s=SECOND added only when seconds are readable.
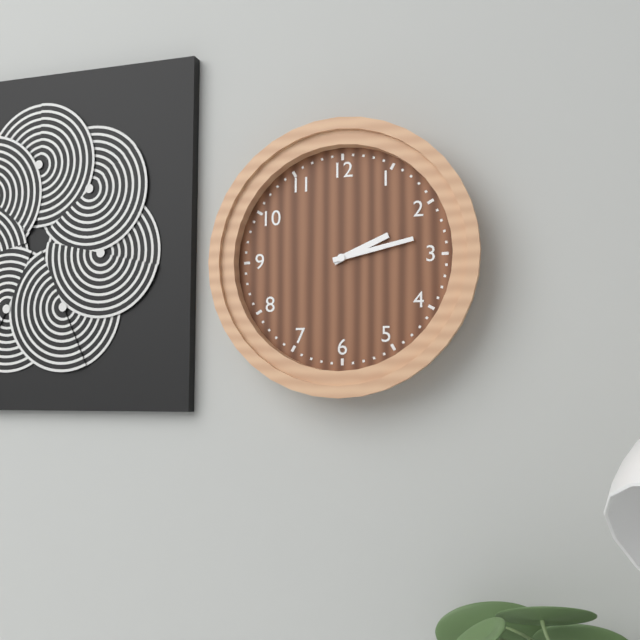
h=2 m=13
